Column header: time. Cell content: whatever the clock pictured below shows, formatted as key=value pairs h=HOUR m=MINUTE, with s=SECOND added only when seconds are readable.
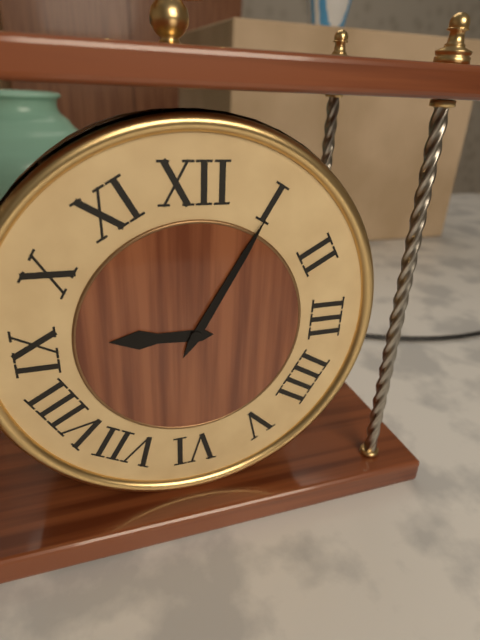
h=9 m=5
